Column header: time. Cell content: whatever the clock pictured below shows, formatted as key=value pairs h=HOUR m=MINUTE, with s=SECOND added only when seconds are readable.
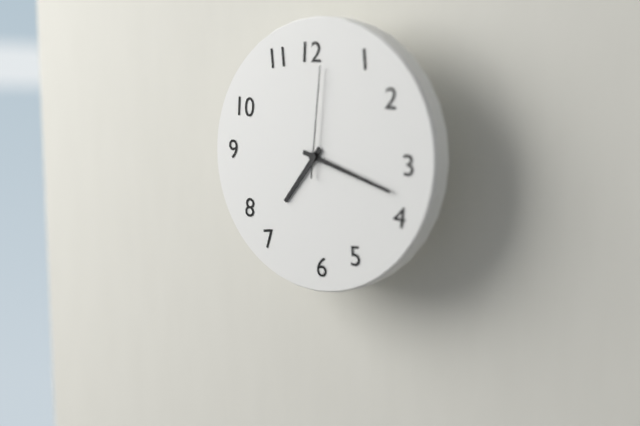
h=7 m=18 s=1
